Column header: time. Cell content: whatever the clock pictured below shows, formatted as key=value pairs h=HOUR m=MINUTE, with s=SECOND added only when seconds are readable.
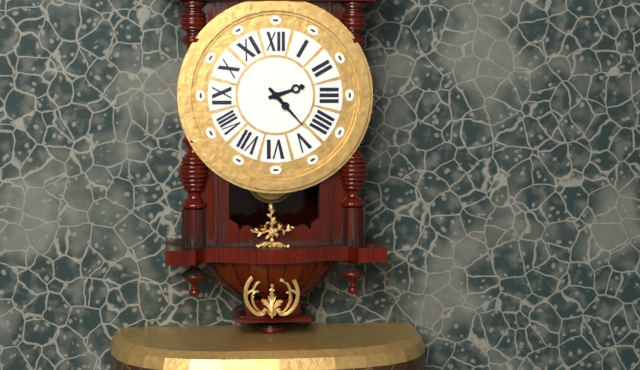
h=2 m=23
